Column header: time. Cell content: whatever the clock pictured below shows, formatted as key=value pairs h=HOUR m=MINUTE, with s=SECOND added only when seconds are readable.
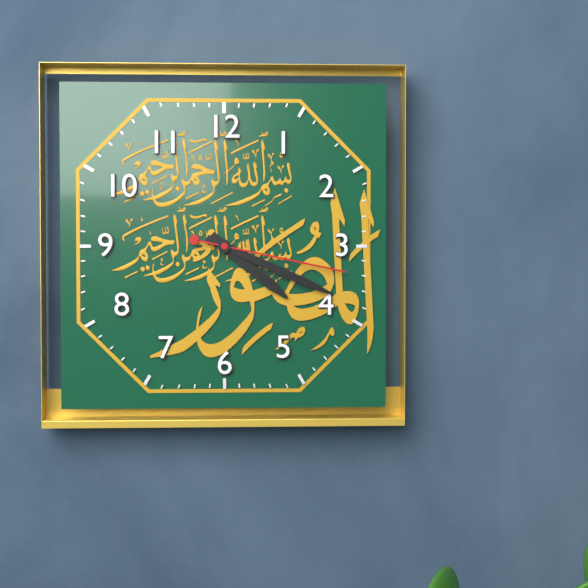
h=4 m=19 s=17
